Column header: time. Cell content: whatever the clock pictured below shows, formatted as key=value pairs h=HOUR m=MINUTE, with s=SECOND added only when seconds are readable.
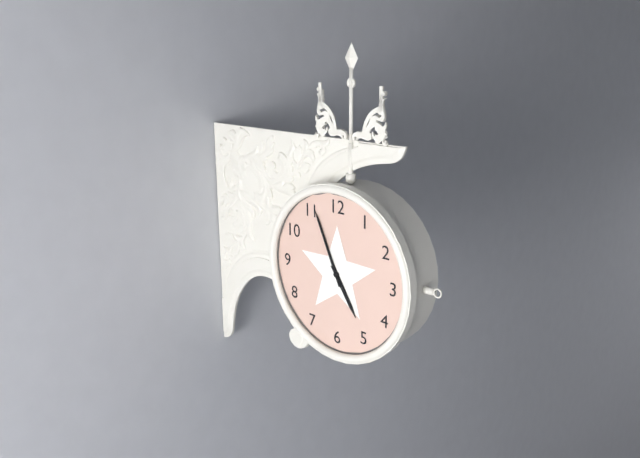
h=4 m=56
